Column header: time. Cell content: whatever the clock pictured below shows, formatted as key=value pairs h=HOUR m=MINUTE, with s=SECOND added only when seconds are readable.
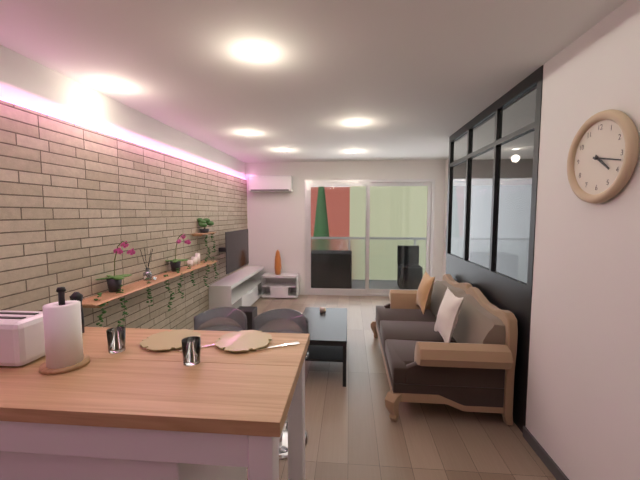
h=4 m=17
